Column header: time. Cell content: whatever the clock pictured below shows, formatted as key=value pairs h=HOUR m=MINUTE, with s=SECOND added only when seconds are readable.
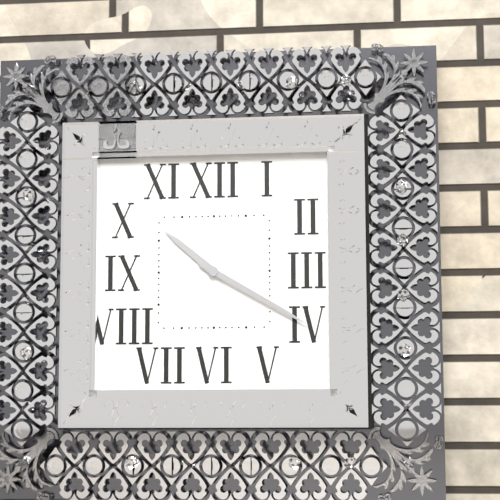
h=10 m=20
